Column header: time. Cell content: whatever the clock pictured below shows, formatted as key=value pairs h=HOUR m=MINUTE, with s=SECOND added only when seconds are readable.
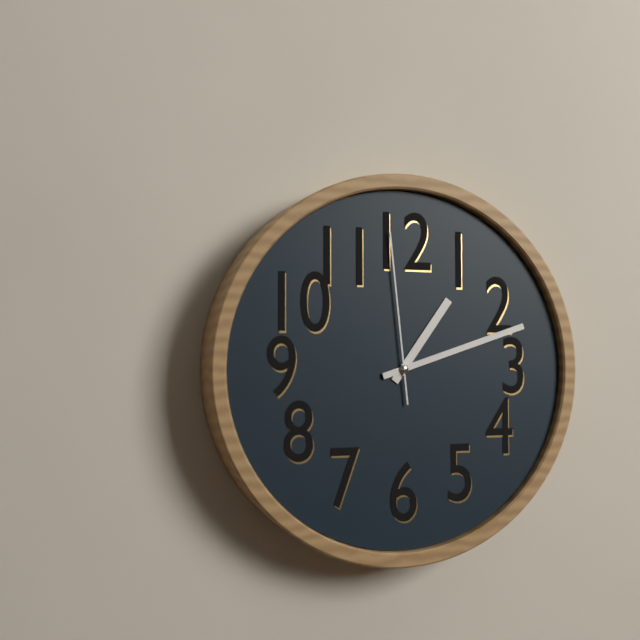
h=1 m=12 s=59
